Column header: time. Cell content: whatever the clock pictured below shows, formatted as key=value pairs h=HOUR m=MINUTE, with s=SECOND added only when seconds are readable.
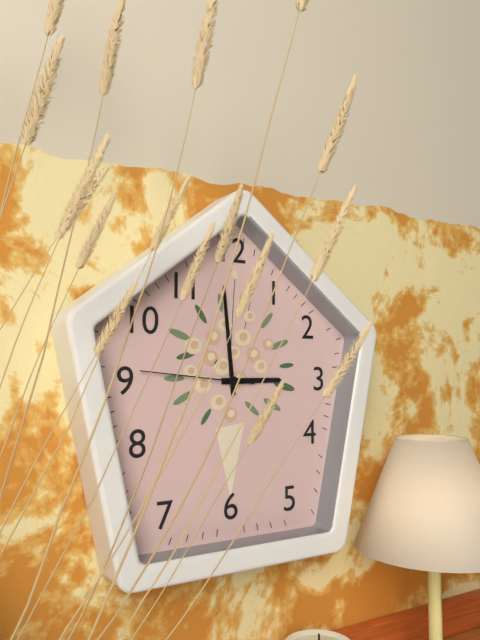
h=2 m=59 s=46
